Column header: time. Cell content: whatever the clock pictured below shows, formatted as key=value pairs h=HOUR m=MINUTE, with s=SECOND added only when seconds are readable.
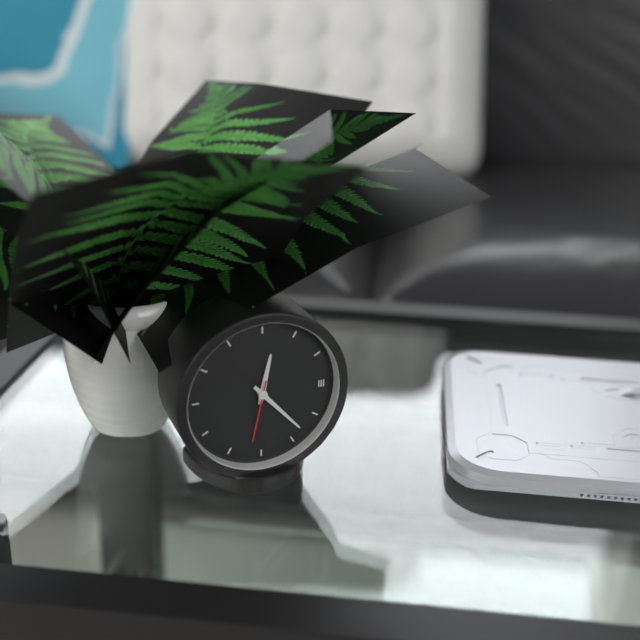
h=12 m=23 s=32
